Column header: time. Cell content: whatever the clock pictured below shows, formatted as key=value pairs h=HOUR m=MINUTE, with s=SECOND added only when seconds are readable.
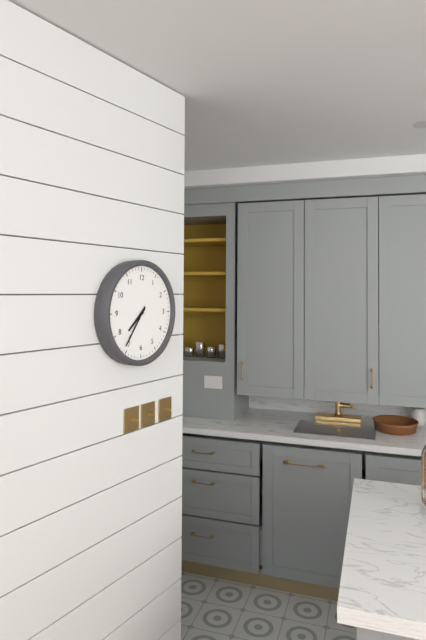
h=7 m=36
